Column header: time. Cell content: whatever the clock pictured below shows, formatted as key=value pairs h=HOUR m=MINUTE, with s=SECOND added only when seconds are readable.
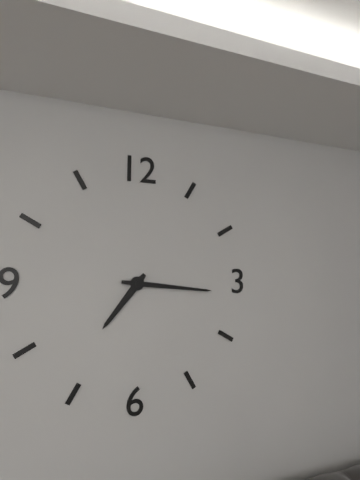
h=7 m=16
